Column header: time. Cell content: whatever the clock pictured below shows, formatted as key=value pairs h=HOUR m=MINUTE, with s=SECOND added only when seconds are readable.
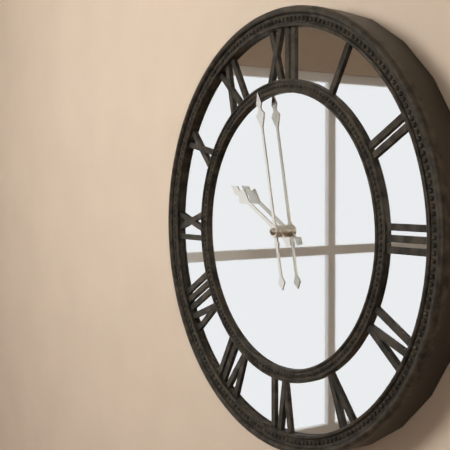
h=9 m=58
